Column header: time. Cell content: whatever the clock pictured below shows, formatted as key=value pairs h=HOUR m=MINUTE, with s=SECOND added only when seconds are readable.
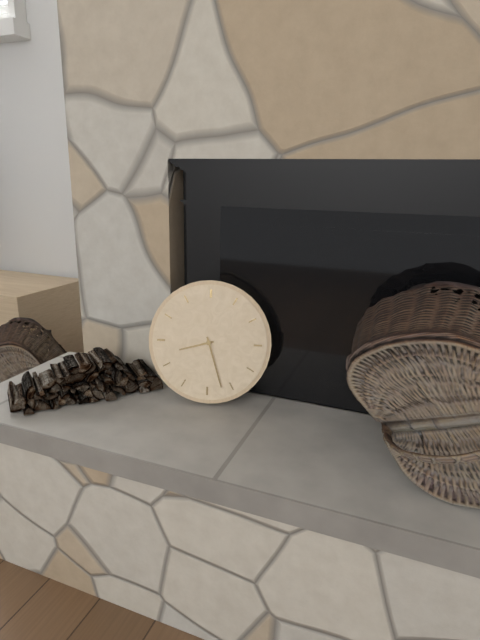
h=8 m=27
